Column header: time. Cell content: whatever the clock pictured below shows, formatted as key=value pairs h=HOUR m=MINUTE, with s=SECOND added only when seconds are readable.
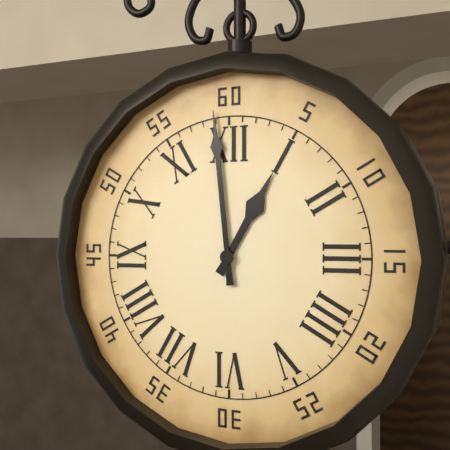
h=12 m=59
